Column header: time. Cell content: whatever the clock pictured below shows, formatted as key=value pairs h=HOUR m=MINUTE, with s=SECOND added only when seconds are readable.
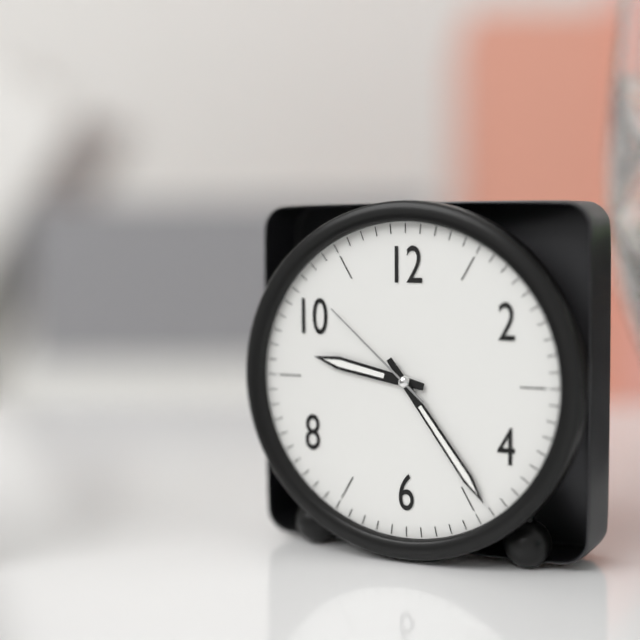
h=9 m=24 s=52
